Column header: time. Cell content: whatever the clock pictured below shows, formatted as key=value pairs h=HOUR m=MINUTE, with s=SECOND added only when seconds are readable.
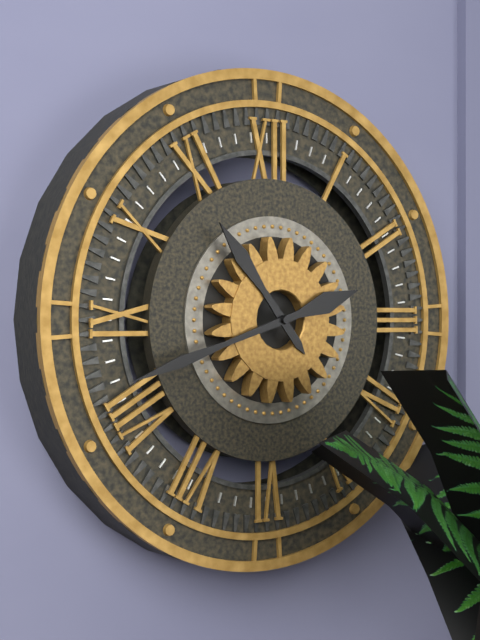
h=10 m=42
